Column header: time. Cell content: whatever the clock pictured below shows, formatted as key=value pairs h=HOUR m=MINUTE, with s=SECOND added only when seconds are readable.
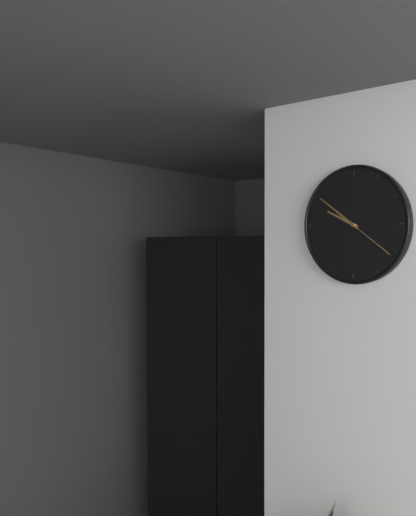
h=9 m=51 s=21
